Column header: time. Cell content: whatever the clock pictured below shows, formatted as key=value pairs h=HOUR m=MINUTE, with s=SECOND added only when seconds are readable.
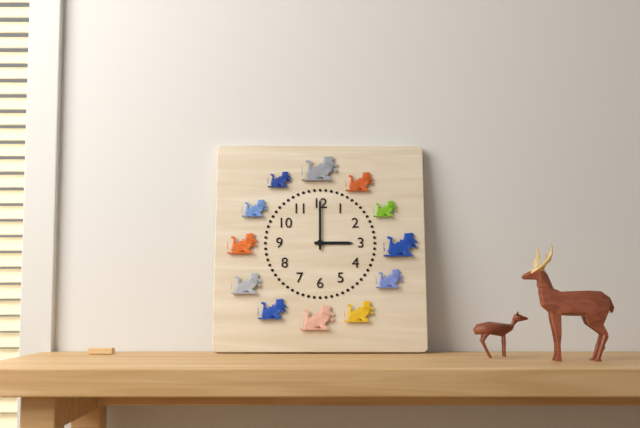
h=3 m=0
